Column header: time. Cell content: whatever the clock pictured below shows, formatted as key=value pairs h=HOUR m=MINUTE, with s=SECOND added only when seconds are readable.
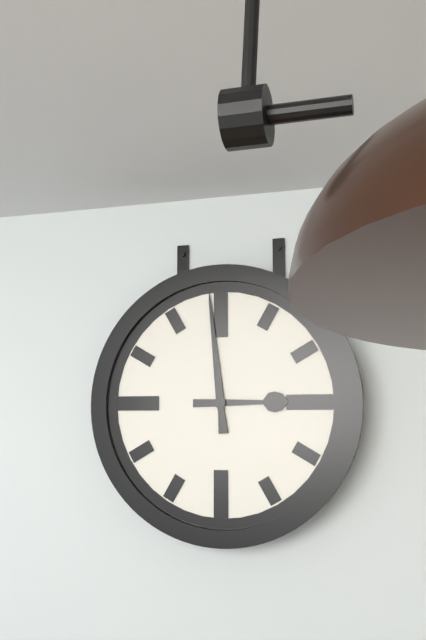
h=2 m=59
